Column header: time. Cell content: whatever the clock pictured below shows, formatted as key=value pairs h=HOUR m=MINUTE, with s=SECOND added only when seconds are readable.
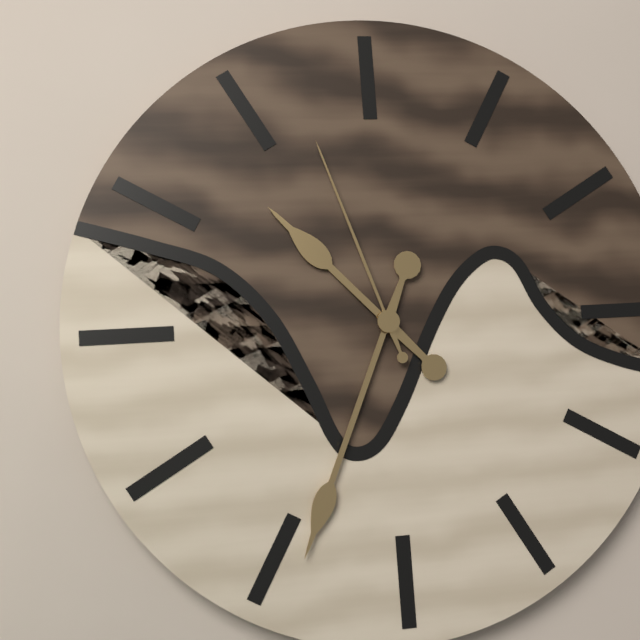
h=10 m=34 s=57
